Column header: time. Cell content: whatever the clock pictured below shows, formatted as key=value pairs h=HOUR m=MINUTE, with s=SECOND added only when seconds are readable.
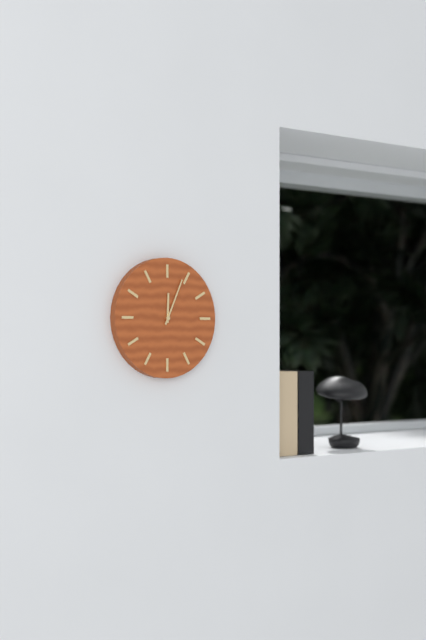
h=12 m=4
